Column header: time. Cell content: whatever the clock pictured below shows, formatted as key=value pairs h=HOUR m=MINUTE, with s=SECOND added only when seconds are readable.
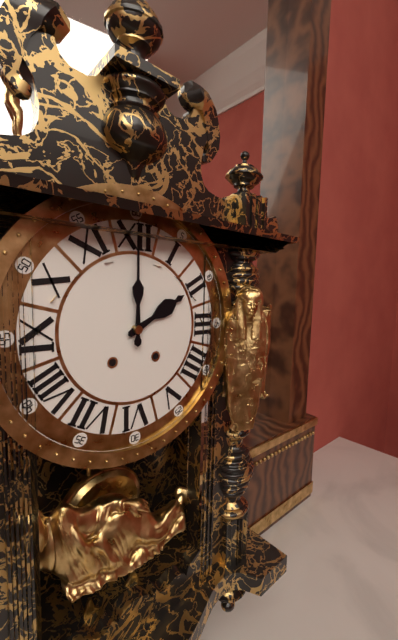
h=2 m=0
